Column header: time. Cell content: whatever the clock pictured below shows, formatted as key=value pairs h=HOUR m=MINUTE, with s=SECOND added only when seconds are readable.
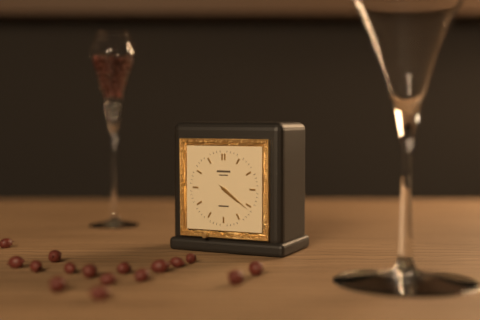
h=4 m=21
